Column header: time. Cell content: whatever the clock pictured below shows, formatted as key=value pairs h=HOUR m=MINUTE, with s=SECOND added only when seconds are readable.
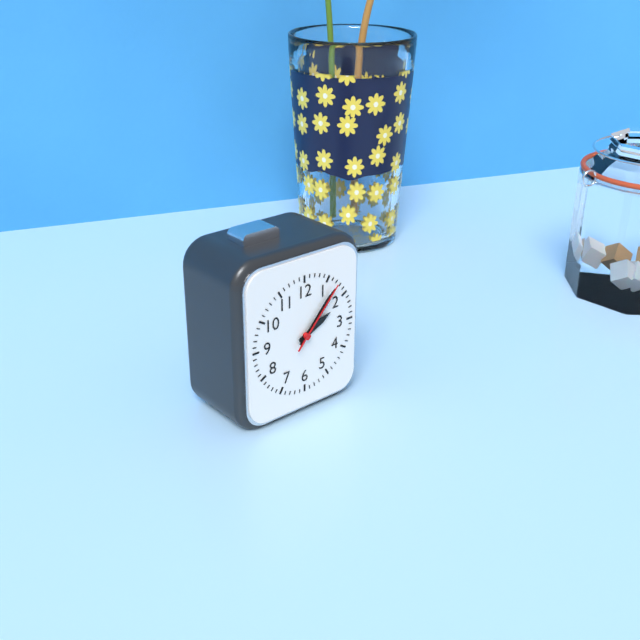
h=2 m=7 s=7
